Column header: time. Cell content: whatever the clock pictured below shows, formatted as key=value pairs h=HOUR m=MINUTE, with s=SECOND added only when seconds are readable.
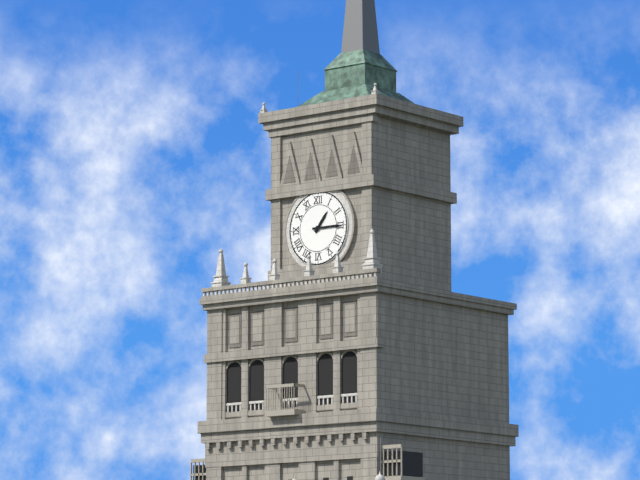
h=1 m=15
